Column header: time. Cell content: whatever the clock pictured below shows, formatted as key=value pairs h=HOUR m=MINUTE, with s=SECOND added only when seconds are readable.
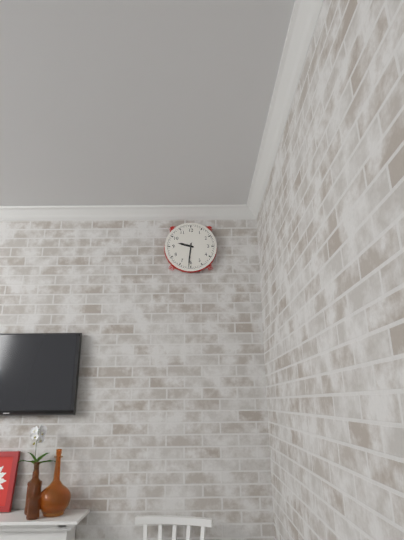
h=9 m=31
